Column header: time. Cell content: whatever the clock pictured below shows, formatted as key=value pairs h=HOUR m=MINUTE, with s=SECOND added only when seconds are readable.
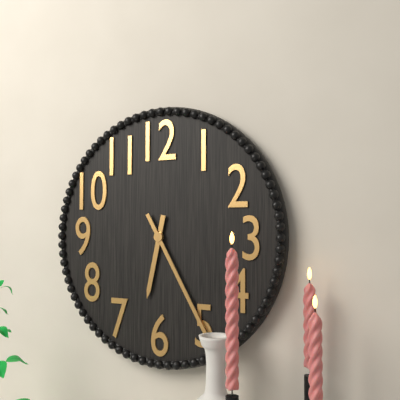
h=6 m=25
